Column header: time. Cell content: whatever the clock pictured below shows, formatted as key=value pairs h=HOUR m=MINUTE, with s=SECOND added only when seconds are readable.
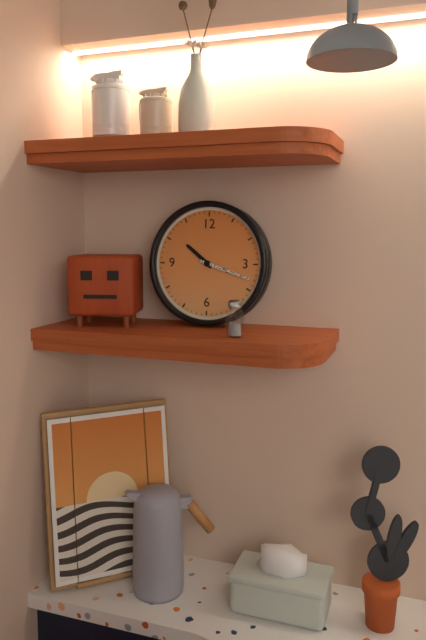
h=10 m=18
